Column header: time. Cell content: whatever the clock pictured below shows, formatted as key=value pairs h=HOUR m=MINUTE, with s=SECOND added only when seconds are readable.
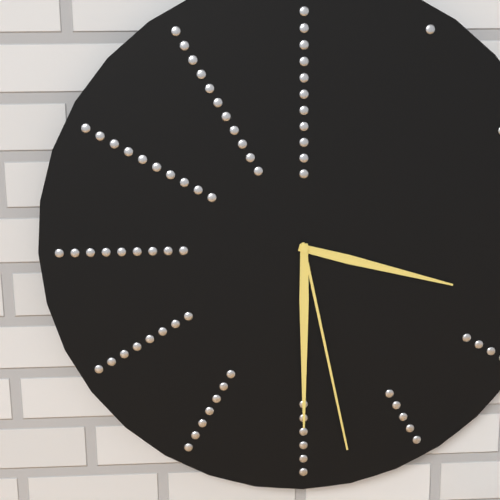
h=3 m=30 s=28
